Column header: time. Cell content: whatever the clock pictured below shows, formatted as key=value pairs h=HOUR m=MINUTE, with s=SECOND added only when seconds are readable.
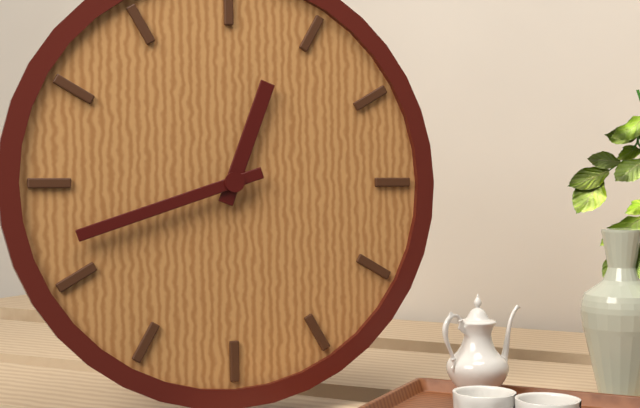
h=12 m=42
